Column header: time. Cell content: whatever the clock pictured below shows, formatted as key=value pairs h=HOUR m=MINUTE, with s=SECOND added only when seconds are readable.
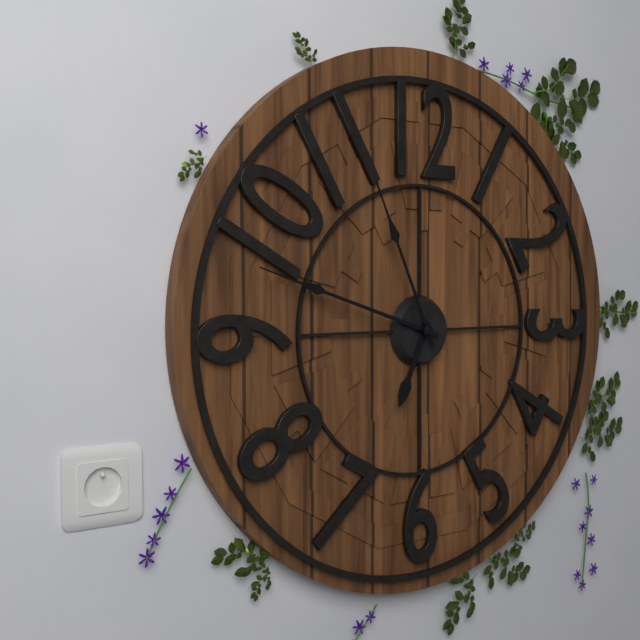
h=6 m=48 s=56
